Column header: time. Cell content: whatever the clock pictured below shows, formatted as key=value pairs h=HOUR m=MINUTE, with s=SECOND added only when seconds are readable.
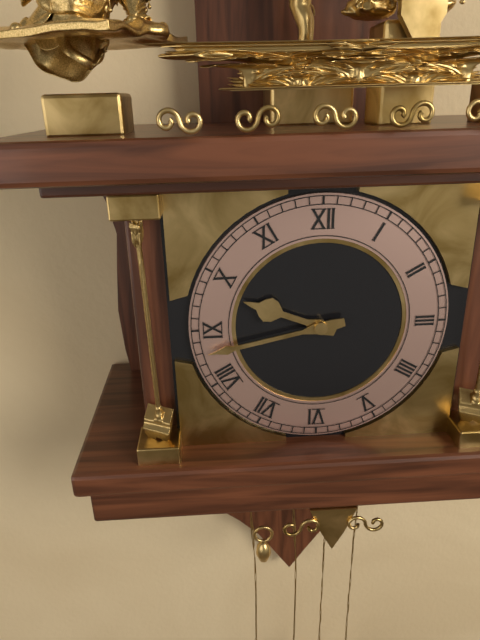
h=9 m=43
